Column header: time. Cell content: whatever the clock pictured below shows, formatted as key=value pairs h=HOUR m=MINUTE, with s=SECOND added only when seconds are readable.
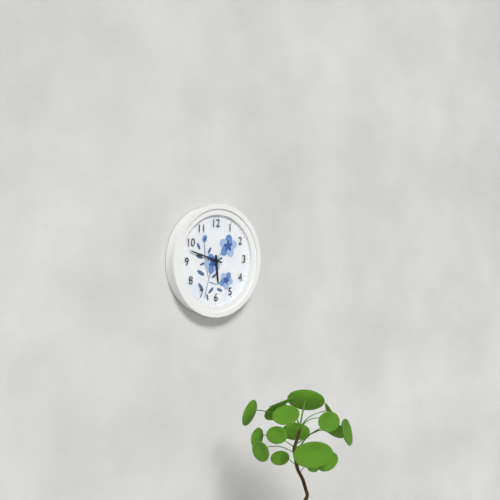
h=5 m=48
